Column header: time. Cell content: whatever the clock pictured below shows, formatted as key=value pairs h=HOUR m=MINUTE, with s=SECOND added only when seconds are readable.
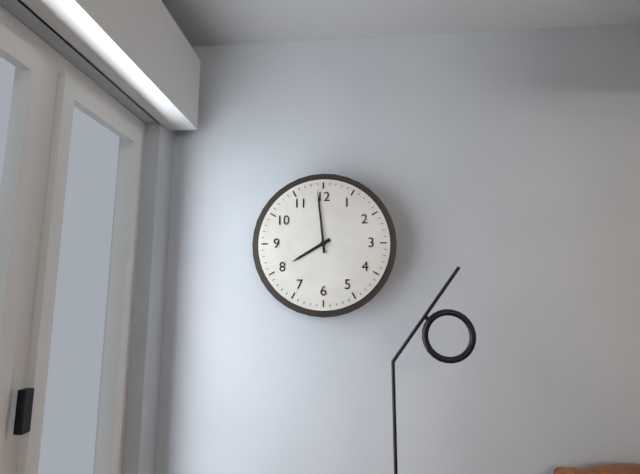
h=7 m=59
